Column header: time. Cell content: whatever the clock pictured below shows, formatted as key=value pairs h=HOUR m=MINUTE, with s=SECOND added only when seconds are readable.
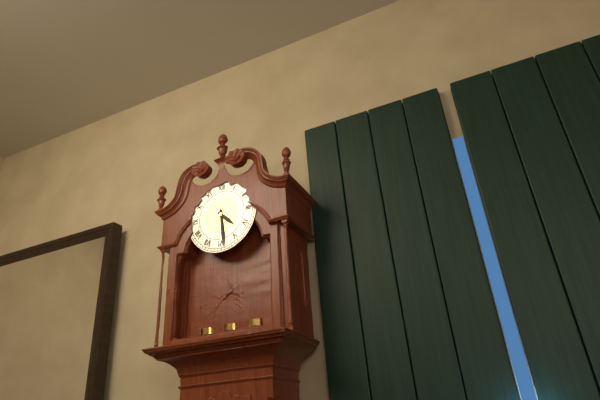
h=4 m=29
